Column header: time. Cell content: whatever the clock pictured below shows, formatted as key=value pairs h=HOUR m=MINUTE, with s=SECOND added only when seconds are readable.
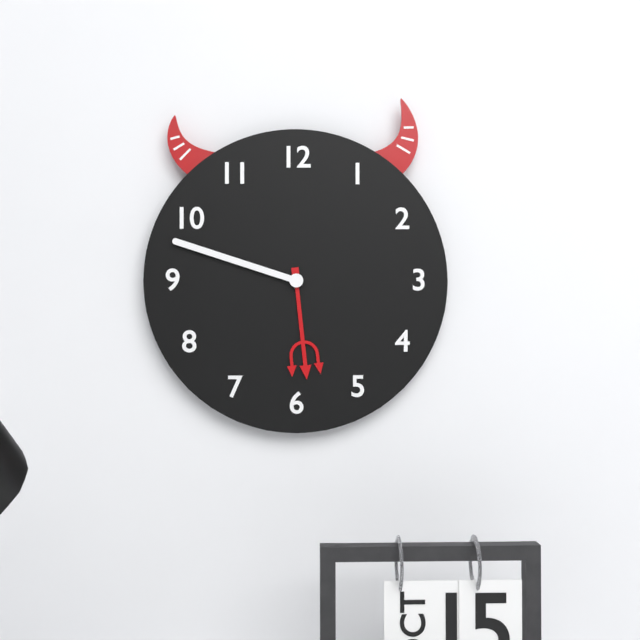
h=5 m=48
